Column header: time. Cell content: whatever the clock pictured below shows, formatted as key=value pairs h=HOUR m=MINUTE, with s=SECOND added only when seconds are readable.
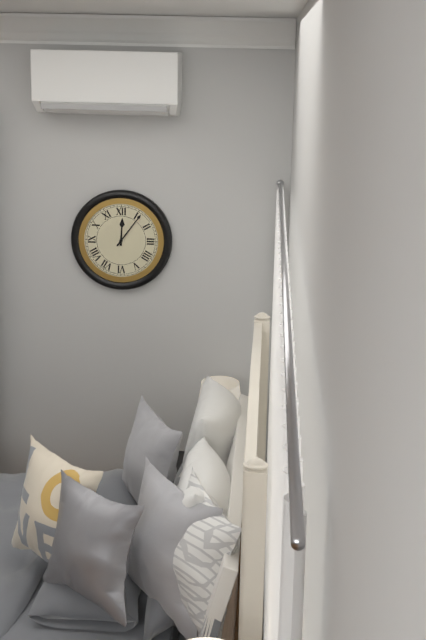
h=12 m=6
